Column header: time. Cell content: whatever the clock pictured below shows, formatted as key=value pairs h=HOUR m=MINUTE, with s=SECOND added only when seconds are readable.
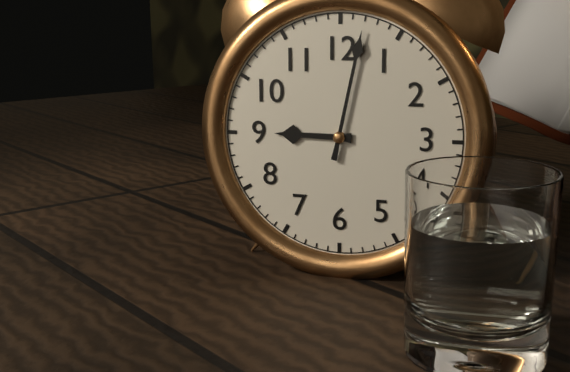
h=9 m=2
